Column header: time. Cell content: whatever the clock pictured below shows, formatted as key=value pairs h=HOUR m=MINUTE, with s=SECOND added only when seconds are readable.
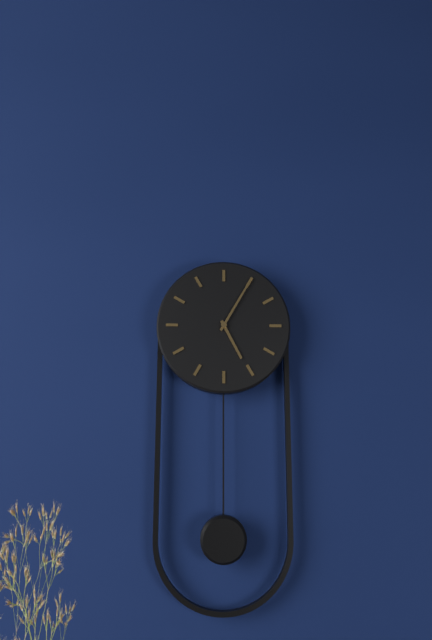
h=5 m=5
